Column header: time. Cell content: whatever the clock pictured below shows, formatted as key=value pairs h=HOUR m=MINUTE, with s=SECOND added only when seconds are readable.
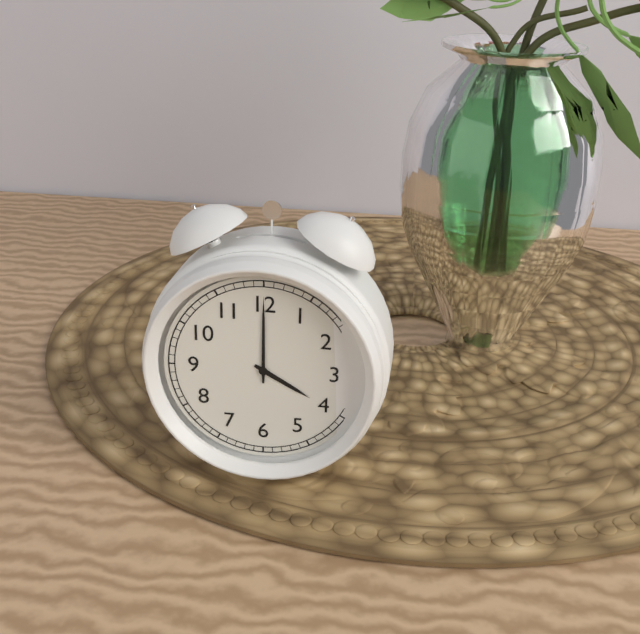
h=4 m=0
